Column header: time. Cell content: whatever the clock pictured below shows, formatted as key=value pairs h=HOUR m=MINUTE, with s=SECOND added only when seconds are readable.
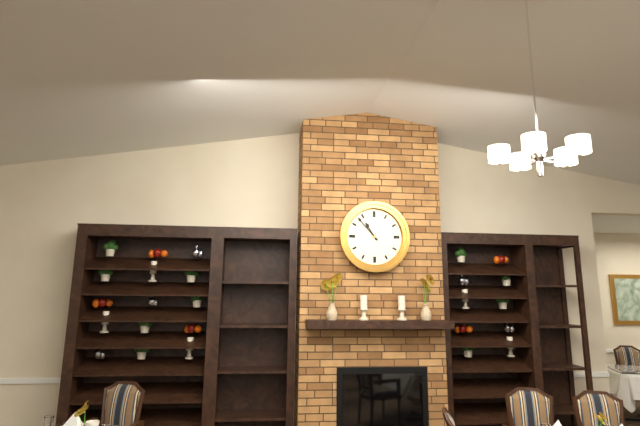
h=10 m=53
